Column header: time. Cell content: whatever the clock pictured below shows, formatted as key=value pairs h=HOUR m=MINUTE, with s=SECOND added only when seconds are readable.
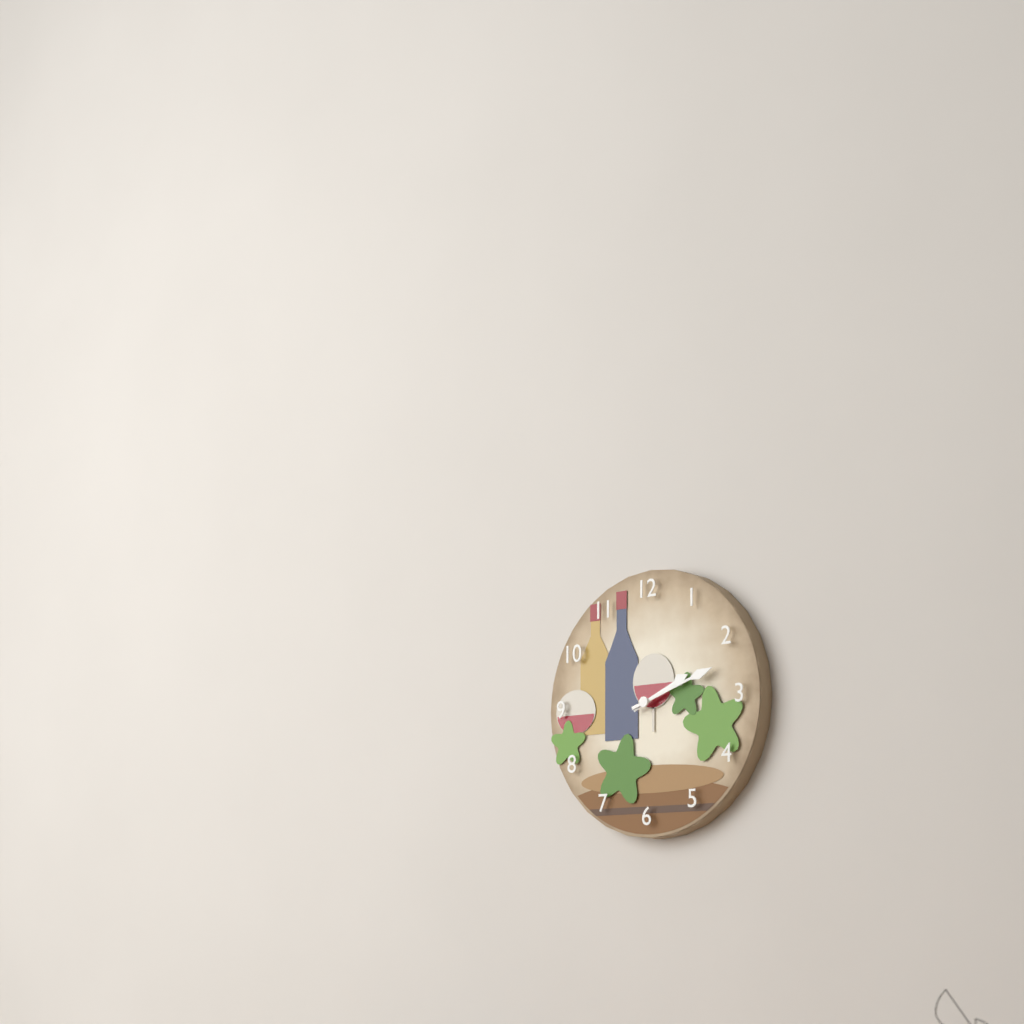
h=2 m=12
